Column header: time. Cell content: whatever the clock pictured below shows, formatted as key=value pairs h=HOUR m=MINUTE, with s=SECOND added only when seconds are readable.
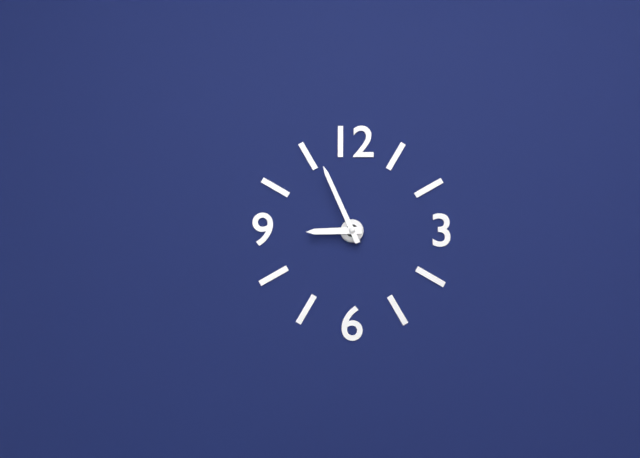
h=8 m=56
